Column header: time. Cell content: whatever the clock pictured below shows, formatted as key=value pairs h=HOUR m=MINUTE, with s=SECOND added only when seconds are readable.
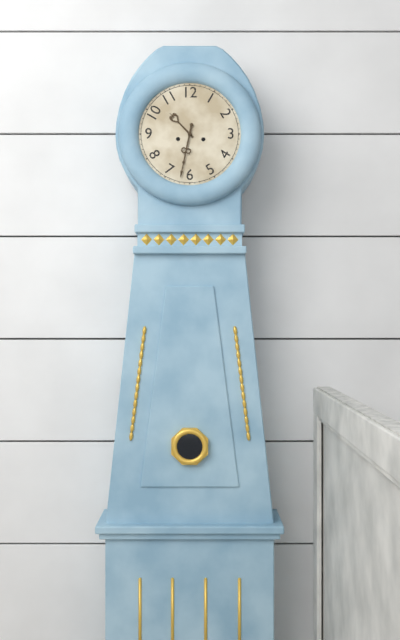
h=10 m=32
